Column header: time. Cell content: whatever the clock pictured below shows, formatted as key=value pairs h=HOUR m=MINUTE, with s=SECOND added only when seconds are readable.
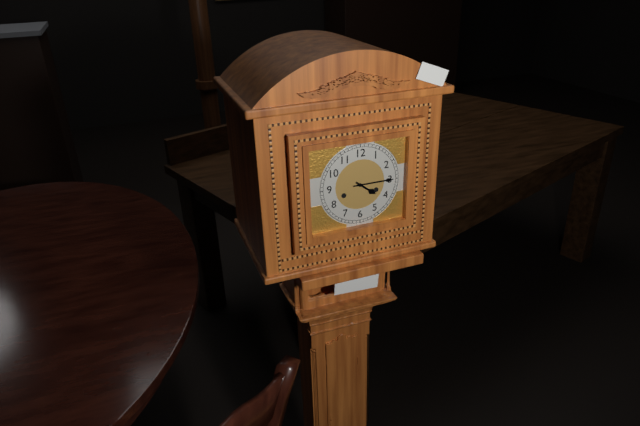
h=4 m=15
